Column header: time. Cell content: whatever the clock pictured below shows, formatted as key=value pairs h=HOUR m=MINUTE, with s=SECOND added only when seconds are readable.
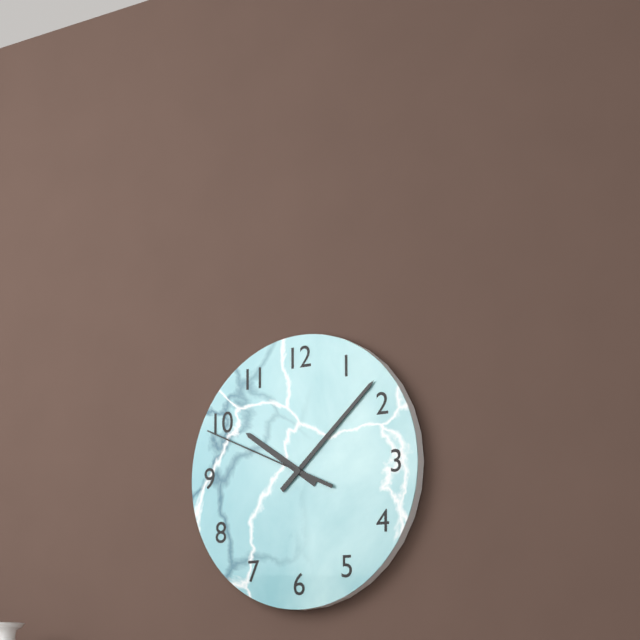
h=10 m=8 s=49
